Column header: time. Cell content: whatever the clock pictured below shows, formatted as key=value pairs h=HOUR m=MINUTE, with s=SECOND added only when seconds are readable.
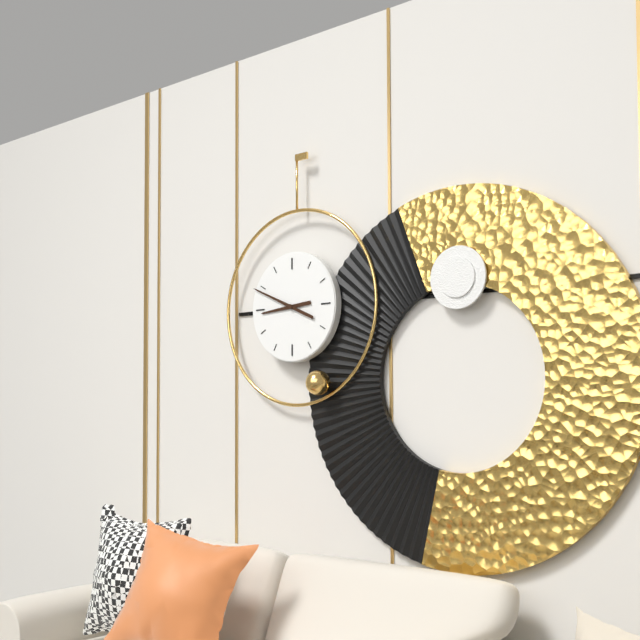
h=8 m=49
